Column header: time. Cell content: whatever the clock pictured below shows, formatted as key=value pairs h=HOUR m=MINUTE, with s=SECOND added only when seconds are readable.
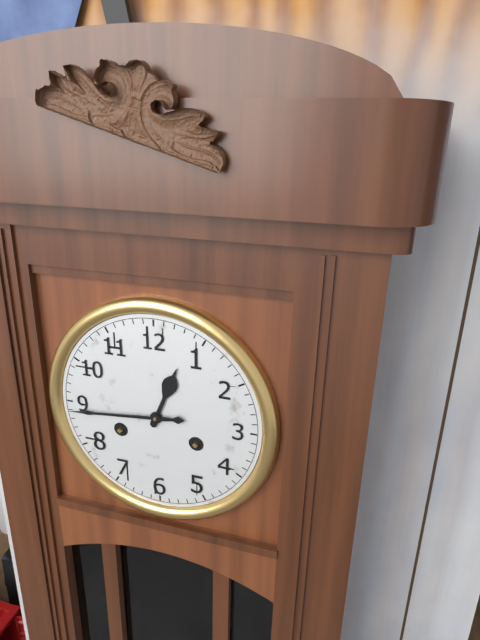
h=12 m=44
